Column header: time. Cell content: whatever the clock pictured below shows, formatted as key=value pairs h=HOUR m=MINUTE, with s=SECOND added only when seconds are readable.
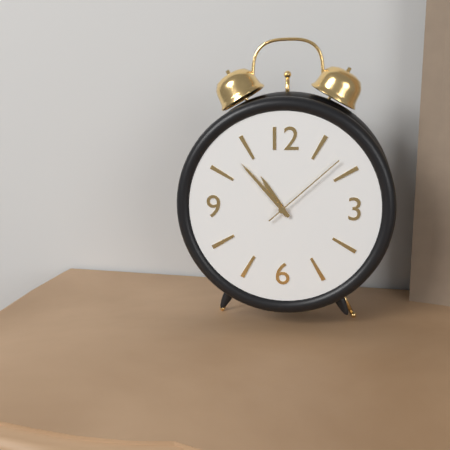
h=10 m=53 s=8
